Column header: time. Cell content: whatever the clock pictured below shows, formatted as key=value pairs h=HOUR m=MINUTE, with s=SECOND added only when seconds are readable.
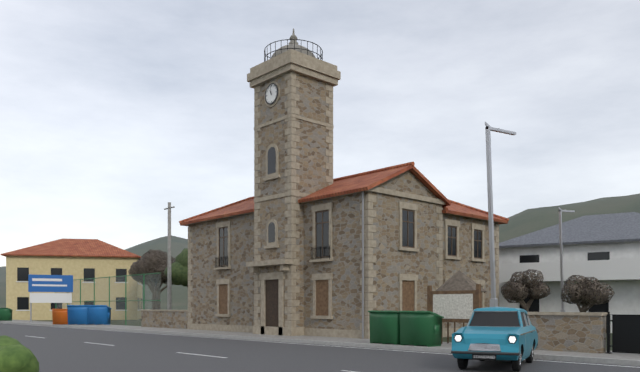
h=10 m=59
